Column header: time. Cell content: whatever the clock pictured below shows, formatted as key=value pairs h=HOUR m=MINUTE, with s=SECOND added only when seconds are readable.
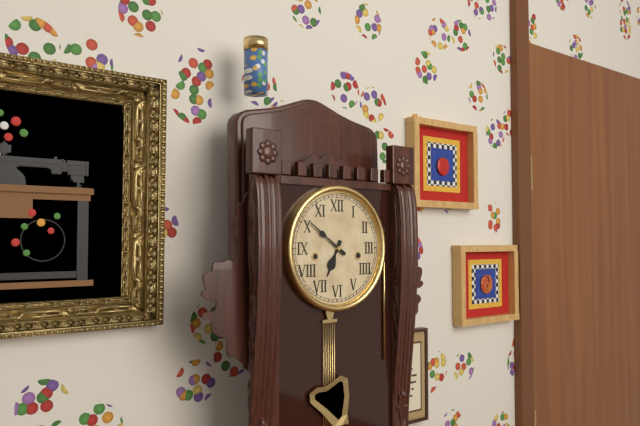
h=6 m=51
